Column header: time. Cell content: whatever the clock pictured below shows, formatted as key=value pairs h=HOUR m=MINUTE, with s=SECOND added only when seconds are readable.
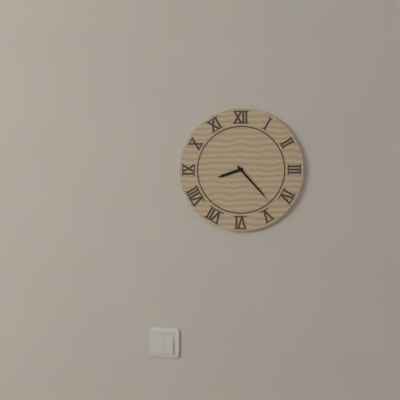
h=8 m=23
